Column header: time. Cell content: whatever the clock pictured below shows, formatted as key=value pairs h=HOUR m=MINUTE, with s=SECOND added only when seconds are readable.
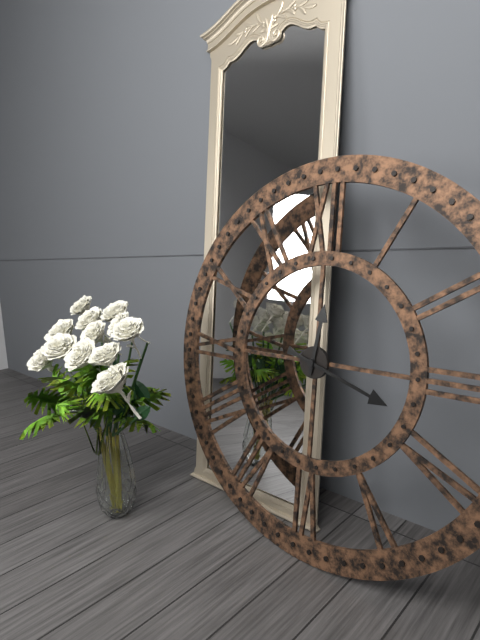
h=12 m=18
